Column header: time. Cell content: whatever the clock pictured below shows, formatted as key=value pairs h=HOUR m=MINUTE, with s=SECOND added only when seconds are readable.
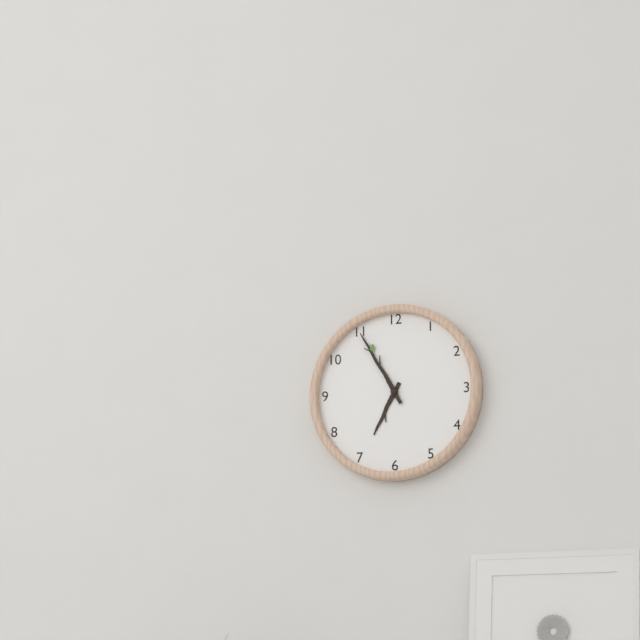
h=6 m=55
